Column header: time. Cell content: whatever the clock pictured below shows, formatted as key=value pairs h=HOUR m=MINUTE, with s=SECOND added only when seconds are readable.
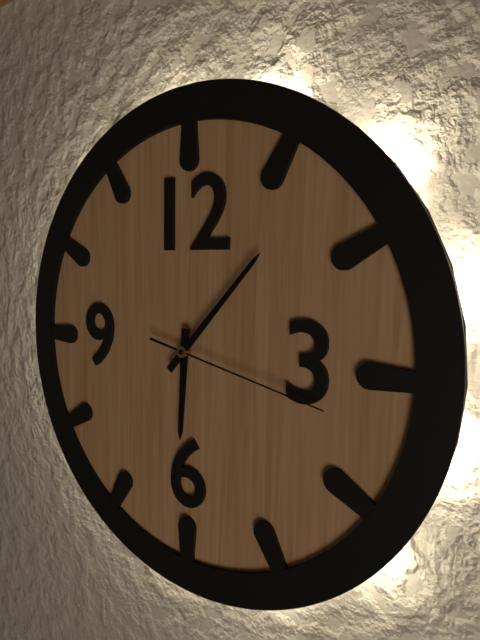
h=6 m=7 s=17
